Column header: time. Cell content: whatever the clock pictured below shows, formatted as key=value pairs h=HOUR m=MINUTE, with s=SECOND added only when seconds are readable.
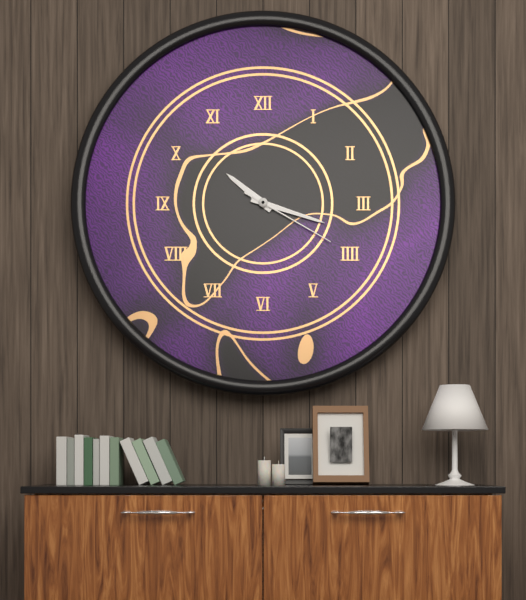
h=10 m=18 s=20
